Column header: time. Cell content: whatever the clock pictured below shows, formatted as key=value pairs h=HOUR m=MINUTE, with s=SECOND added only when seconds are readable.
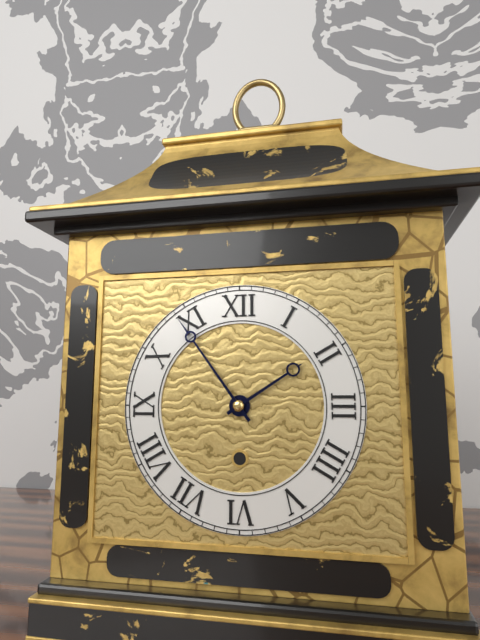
h=1 m=54
